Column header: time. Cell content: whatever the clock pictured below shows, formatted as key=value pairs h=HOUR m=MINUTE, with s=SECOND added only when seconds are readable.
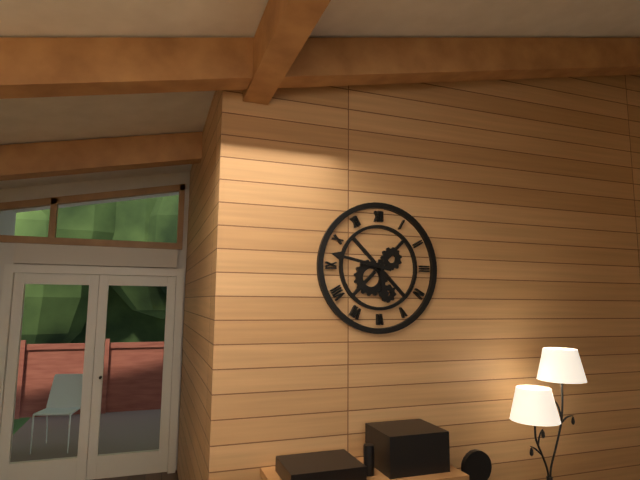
h=5 m=47
